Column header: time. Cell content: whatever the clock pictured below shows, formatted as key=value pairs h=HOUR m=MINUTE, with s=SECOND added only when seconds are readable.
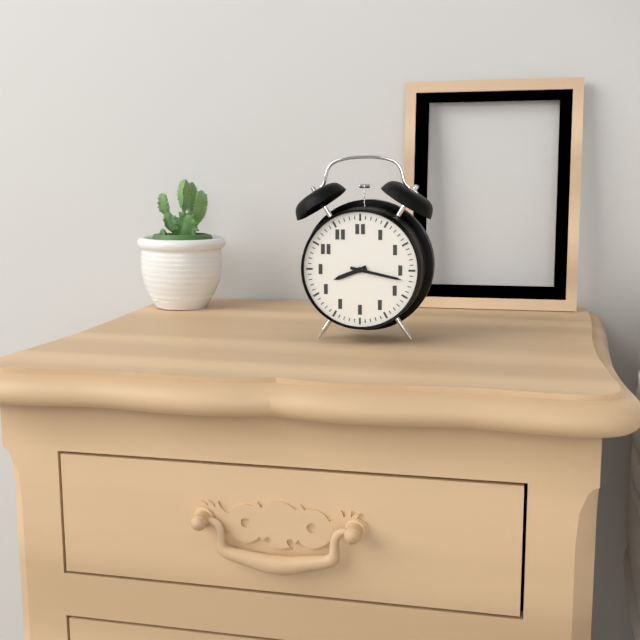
h=8 m=17
